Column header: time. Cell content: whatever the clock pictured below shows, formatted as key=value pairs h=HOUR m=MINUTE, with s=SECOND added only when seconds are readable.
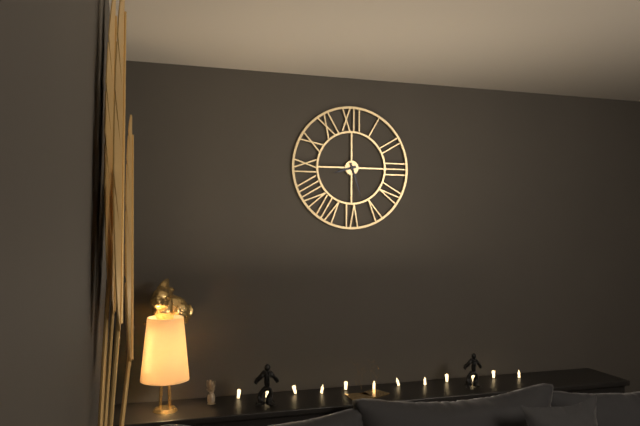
h=8 m=27
